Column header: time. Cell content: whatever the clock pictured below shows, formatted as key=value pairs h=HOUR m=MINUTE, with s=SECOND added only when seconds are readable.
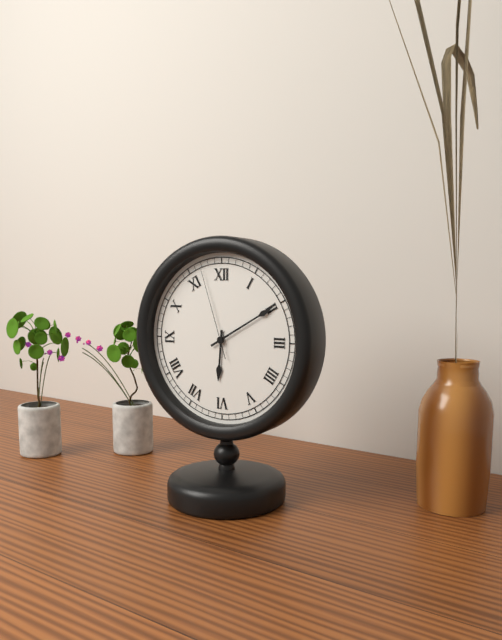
h=6 m=10 s=57
